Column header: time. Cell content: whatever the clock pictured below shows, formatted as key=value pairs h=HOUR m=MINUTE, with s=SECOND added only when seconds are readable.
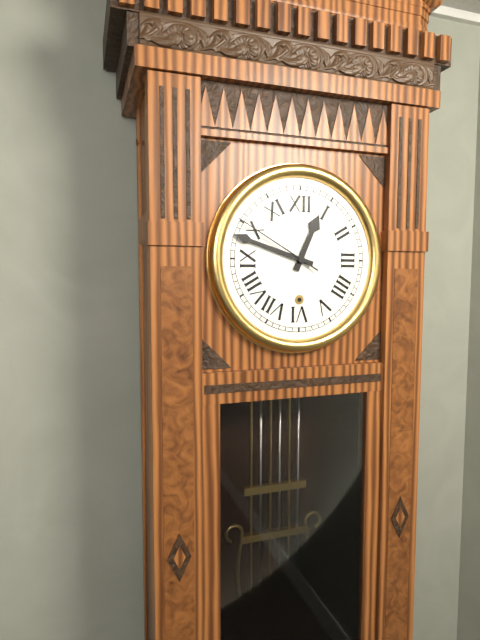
h=12 m=48 s=50
